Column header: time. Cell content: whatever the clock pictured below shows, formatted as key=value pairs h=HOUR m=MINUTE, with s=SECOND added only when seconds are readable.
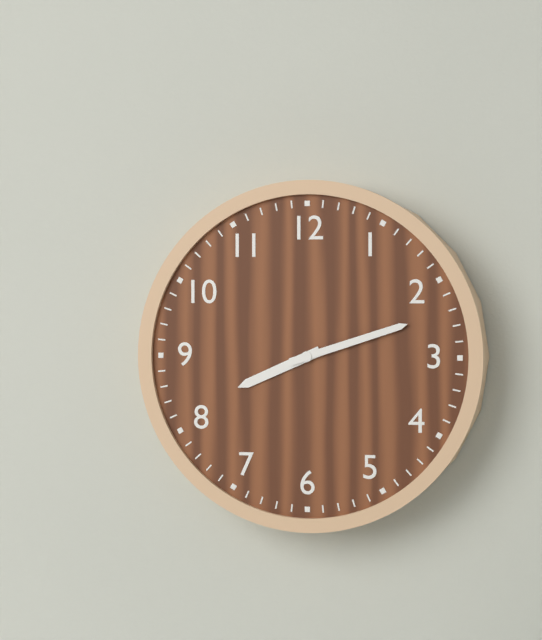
h=8 m=12
